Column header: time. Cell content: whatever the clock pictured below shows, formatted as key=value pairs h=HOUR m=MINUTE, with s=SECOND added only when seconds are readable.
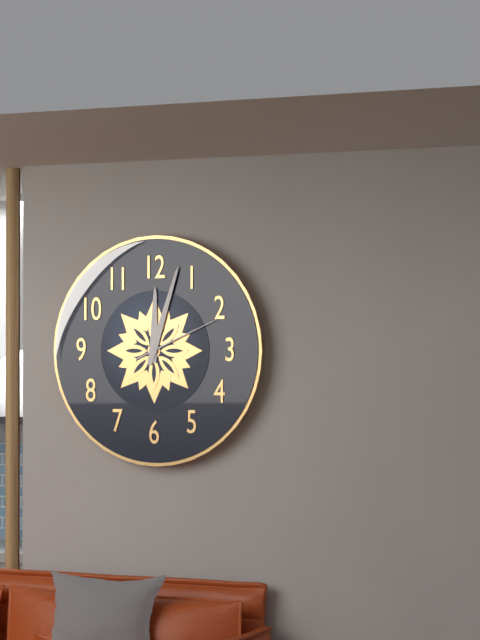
h=12 m=3 s=11
